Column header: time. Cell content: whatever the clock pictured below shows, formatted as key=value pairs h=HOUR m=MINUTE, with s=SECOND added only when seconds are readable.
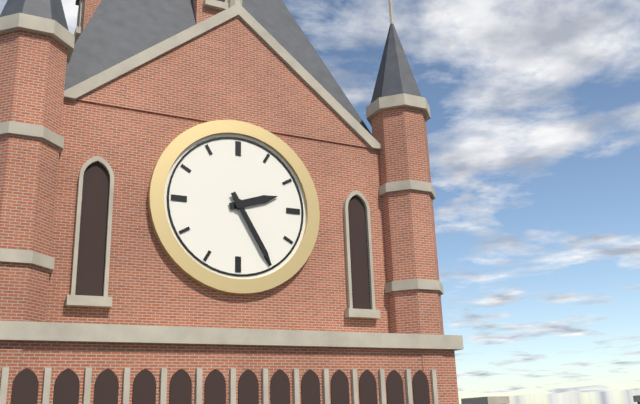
h=2 m=25
